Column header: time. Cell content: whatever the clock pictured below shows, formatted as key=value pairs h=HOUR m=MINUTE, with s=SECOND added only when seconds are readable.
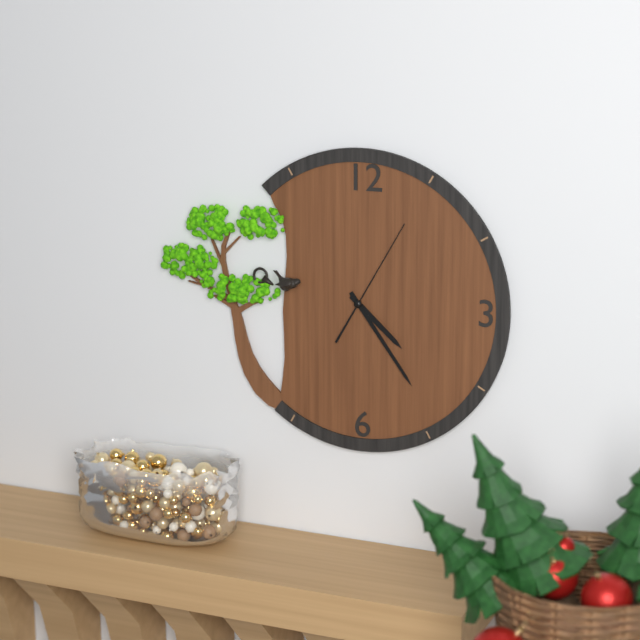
h=4 m=24 s=5
